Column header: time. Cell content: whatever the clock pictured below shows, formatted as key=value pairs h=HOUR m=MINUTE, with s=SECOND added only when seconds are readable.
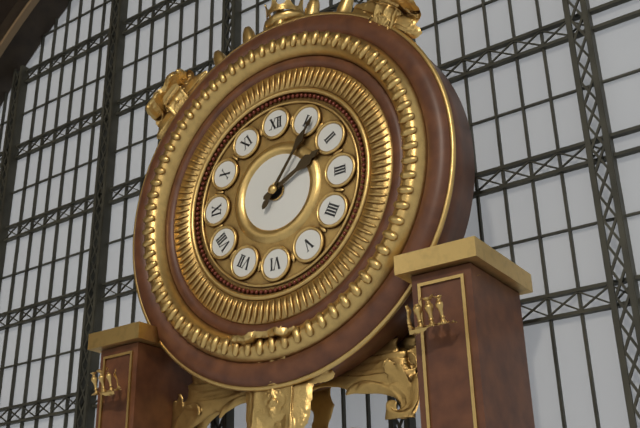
h=2 m=6
